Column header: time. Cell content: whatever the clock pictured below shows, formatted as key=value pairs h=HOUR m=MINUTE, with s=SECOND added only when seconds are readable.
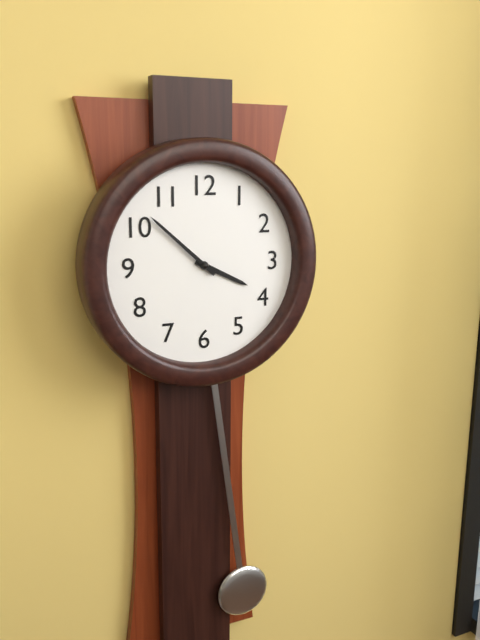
h=3 m=52
